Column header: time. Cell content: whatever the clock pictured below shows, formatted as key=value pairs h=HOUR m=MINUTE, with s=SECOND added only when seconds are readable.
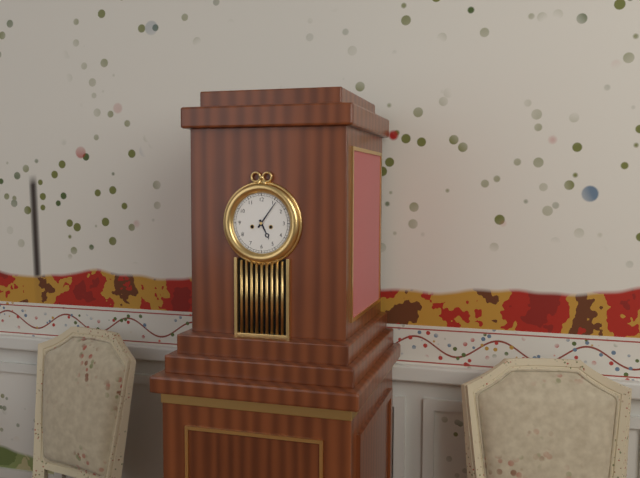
h=5 m=6
